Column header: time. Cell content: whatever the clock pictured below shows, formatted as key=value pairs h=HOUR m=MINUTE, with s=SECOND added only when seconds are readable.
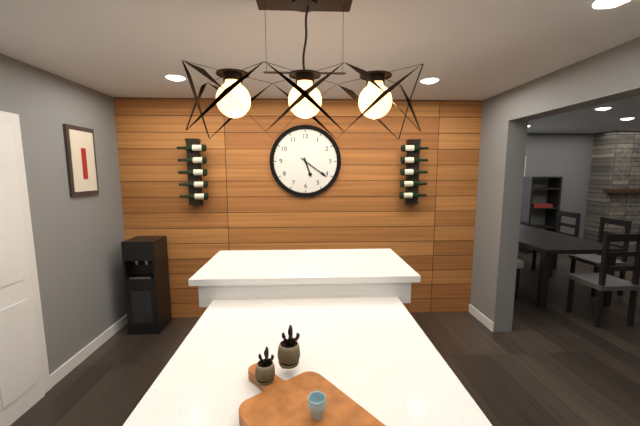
h=5 m=21
